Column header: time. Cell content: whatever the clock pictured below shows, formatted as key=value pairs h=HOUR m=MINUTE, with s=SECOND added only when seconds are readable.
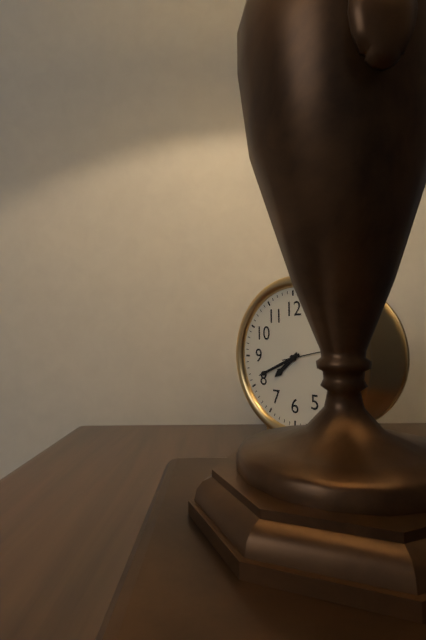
h=7 m=41
